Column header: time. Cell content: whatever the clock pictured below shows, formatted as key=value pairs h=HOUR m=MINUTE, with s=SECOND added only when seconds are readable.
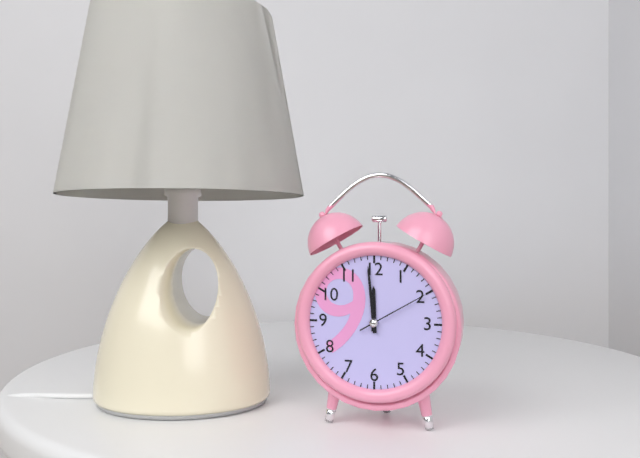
h=11 m=59 s=10
